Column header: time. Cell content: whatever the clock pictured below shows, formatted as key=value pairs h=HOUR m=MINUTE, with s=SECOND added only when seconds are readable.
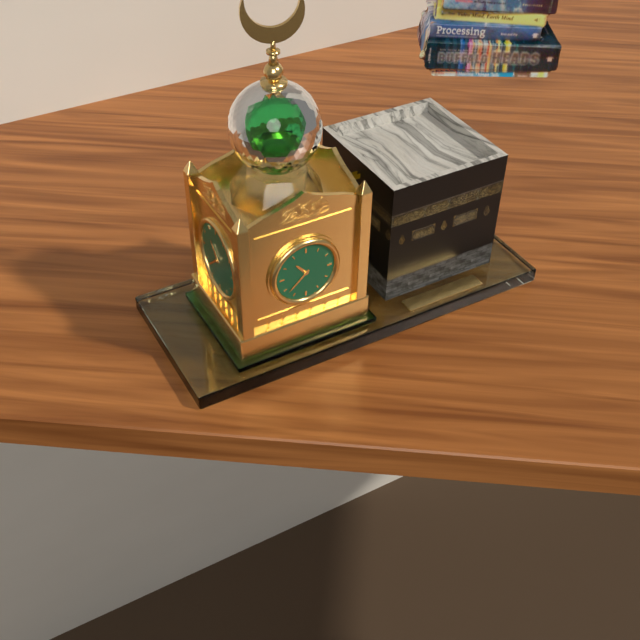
h=10 m=38
